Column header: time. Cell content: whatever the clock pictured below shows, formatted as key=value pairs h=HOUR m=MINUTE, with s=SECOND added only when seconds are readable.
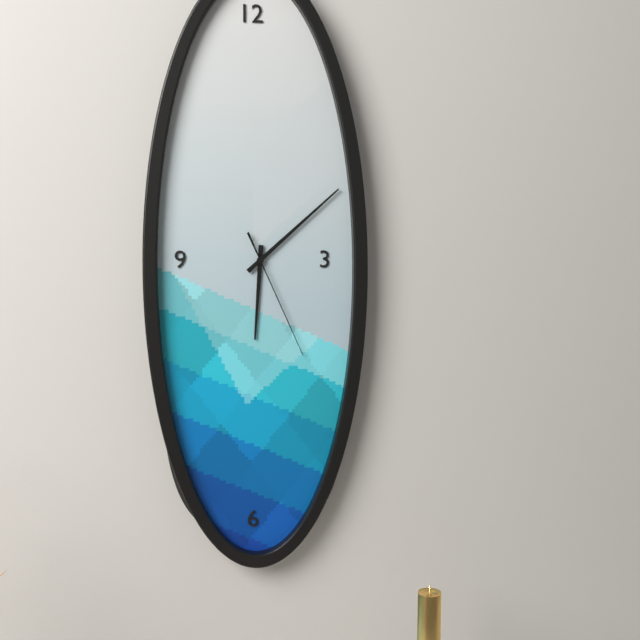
h=6 m=8 s=26
